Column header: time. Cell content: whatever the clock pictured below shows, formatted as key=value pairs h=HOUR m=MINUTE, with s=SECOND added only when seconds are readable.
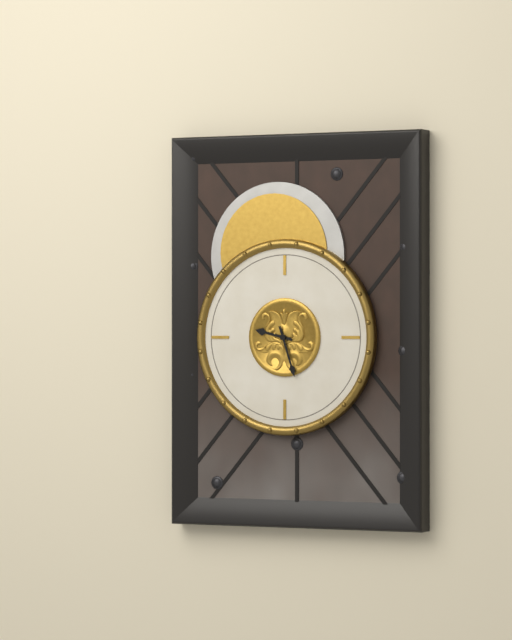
h=9 m=27
